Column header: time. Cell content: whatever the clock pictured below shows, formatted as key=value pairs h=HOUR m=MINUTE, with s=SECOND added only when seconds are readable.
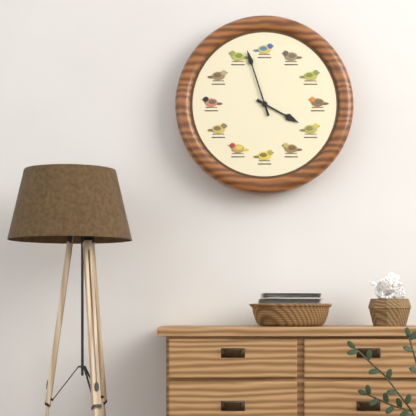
h=3 m=57
